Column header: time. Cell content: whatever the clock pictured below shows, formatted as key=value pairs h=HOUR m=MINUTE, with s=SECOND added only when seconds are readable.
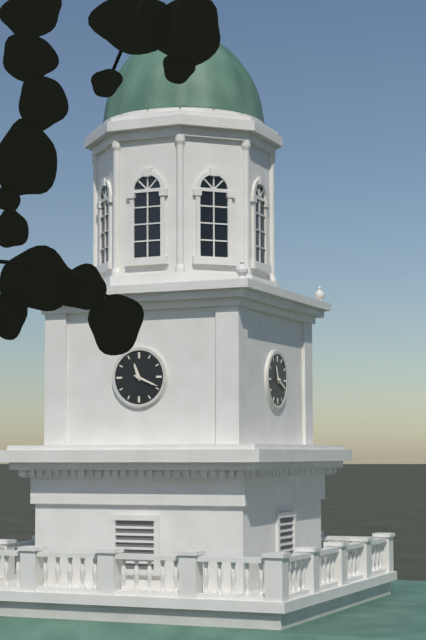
h=11 m=19
